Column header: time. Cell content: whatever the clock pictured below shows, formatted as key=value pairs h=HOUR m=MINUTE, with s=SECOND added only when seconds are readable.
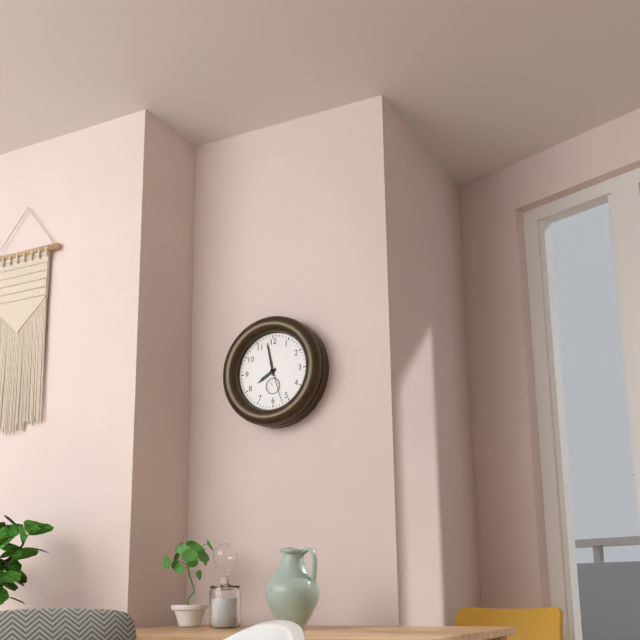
h=7 m=58
